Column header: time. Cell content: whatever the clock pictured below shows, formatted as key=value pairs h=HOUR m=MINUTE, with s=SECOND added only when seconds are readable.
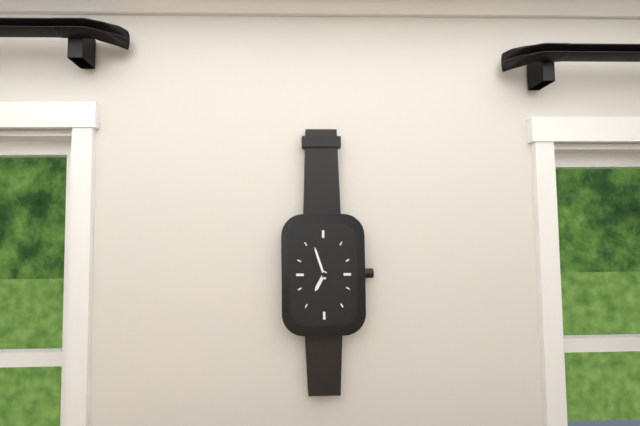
h=6 m=57
